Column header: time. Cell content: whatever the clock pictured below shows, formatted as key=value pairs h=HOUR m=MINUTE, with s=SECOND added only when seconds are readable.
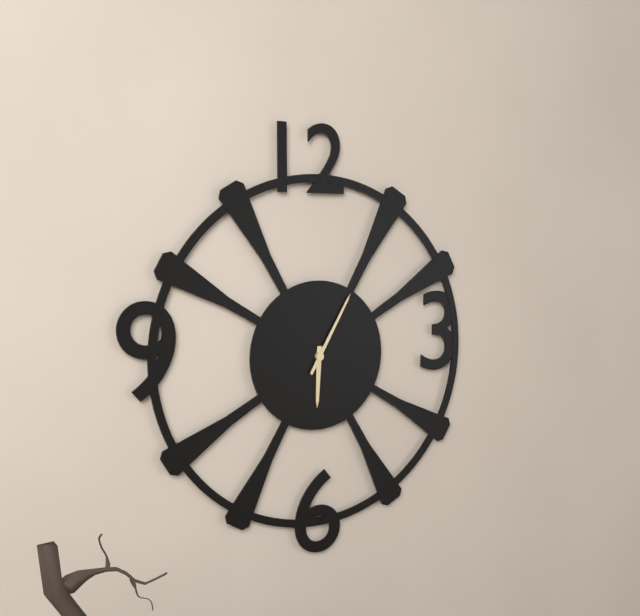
h=6 m=5
